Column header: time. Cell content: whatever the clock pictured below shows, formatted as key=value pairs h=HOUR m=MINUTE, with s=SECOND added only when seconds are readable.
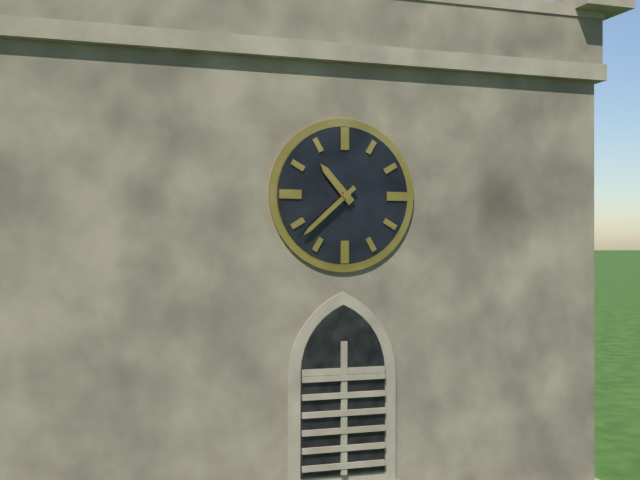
h=10 m=38
